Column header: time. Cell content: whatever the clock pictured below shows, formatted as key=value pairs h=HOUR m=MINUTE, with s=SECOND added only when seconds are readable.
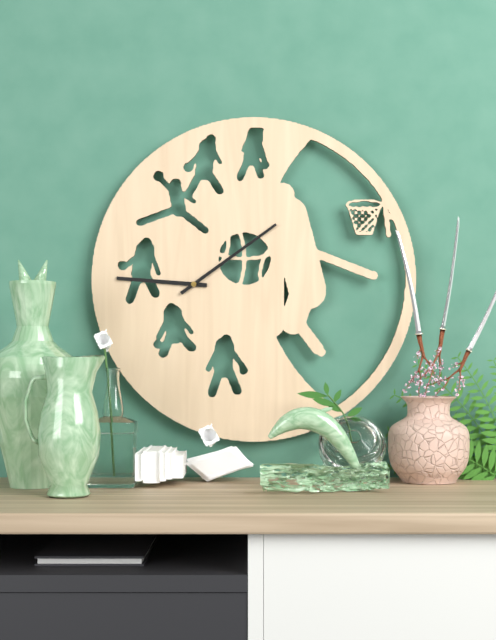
h=9 m=9
